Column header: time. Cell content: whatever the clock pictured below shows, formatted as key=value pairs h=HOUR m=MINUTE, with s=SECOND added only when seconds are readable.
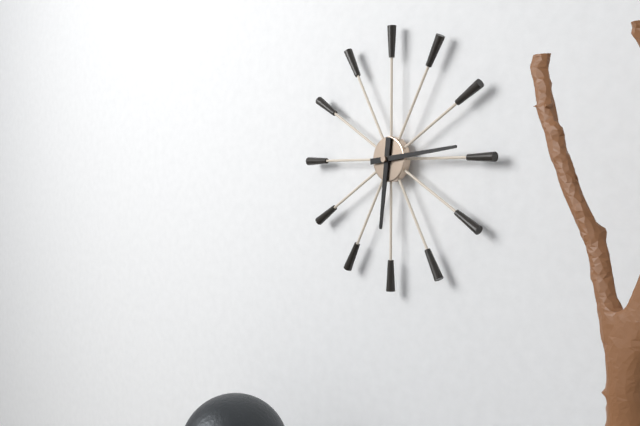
h=6 m=14
